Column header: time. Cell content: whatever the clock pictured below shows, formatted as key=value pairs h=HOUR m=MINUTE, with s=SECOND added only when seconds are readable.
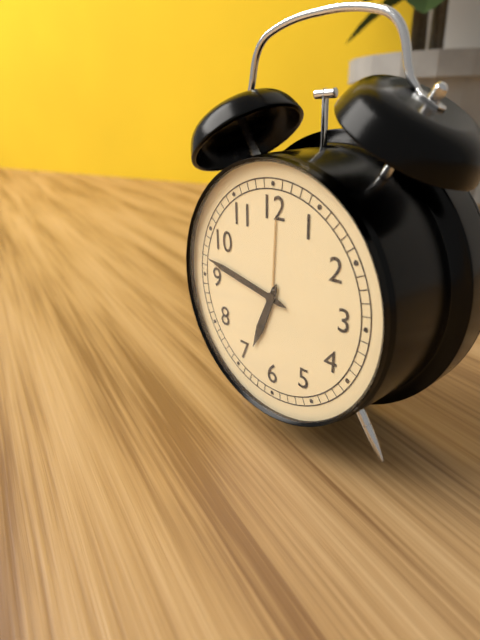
h=6 m=47
